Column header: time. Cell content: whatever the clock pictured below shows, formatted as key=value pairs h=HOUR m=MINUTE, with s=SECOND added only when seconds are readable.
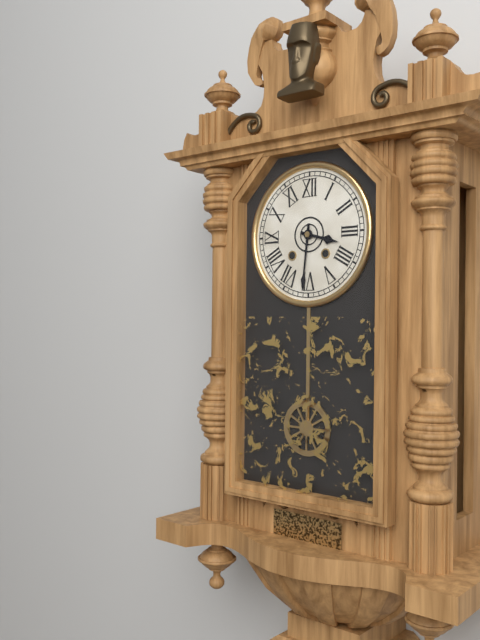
h=3 m=31
